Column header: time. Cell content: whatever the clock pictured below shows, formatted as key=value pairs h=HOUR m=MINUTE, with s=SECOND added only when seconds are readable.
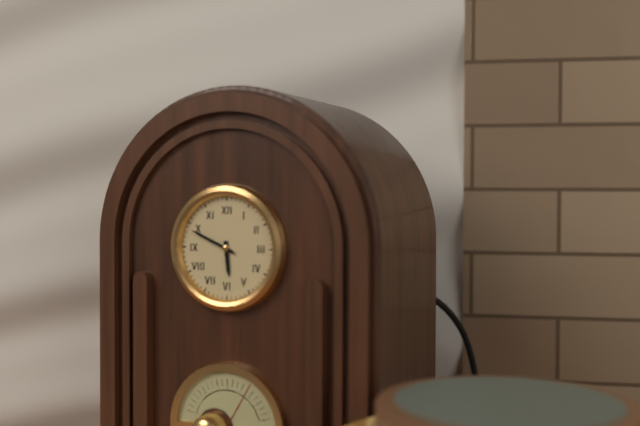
h=5 m=49
